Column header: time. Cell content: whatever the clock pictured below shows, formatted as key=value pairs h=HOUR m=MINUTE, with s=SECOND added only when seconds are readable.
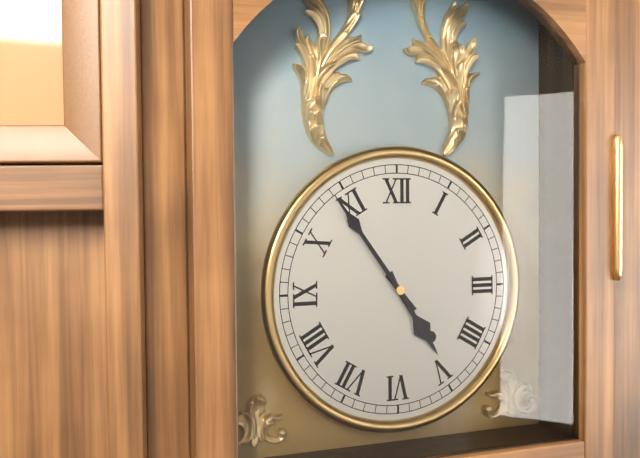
h=4 m=54
